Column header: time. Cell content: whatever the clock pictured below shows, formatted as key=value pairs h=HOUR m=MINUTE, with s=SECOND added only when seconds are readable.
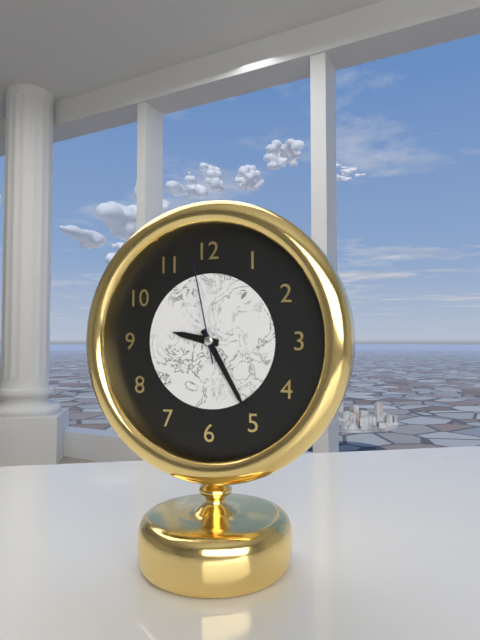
h=9 m=25 s=58
